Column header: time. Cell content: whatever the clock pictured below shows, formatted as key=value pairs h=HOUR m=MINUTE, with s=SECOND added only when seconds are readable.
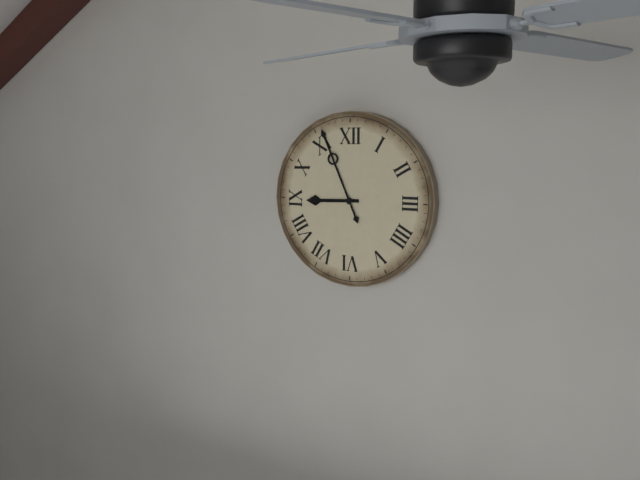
h=8 m=56
